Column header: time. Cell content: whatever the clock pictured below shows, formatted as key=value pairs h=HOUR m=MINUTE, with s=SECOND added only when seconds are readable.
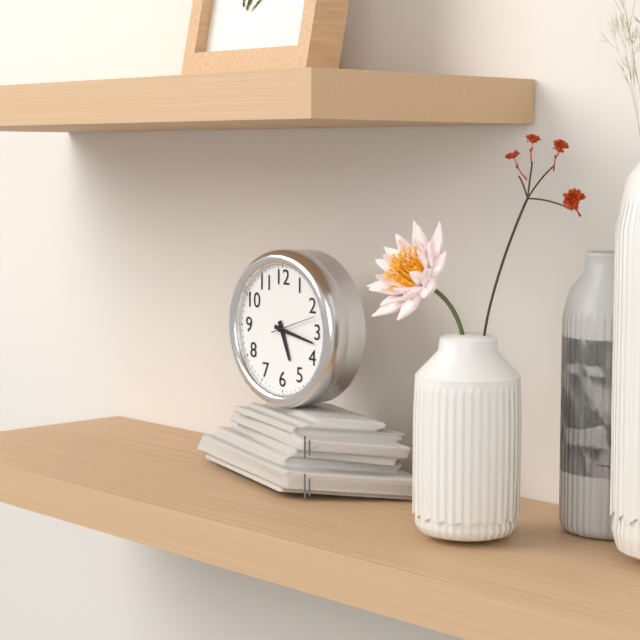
h=5 m=17
